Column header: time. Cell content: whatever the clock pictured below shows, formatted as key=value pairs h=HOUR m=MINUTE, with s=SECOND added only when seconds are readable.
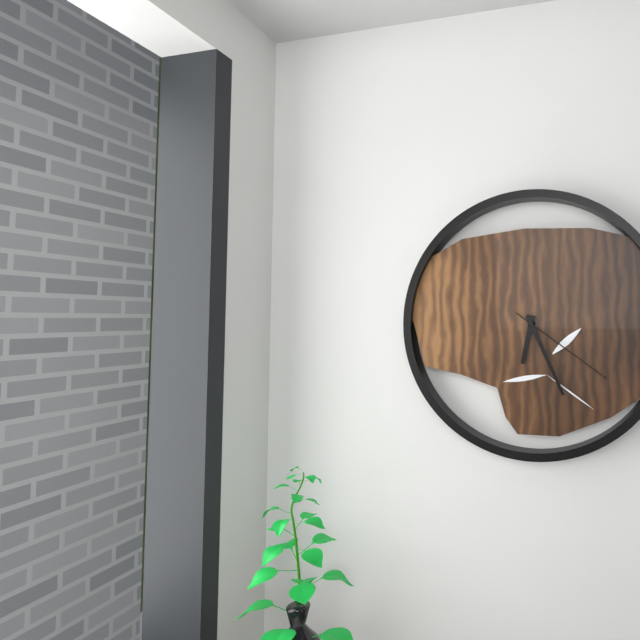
h=6 m=26 s=21
